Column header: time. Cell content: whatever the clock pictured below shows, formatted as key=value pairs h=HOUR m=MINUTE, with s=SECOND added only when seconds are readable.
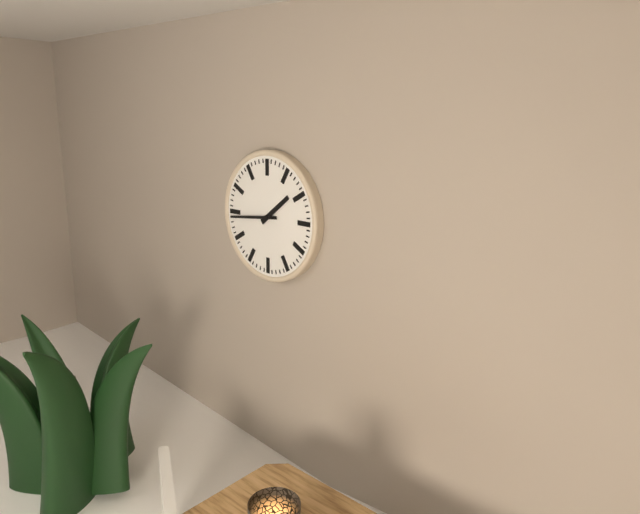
h=1 m=44
